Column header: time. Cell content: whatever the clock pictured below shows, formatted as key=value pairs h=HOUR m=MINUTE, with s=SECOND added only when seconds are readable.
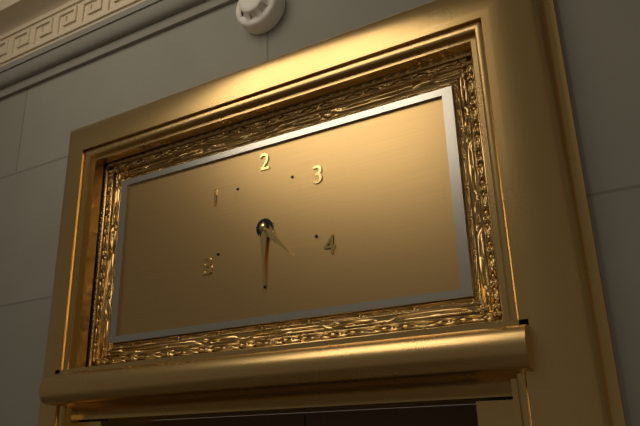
h=4 m=30
